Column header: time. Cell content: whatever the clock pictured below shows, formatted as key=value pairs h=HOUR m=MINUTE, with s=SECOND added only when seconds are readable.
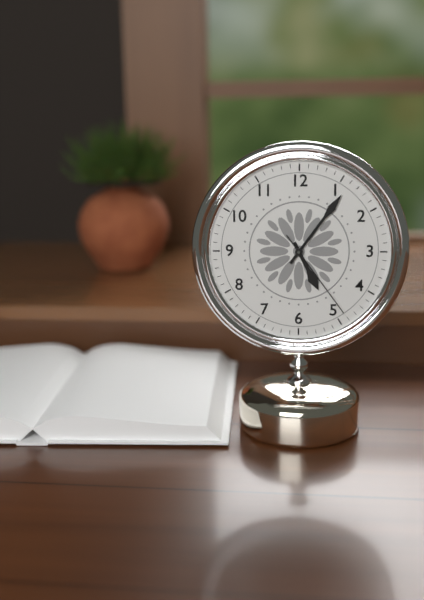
h=5 m=6 s=24
